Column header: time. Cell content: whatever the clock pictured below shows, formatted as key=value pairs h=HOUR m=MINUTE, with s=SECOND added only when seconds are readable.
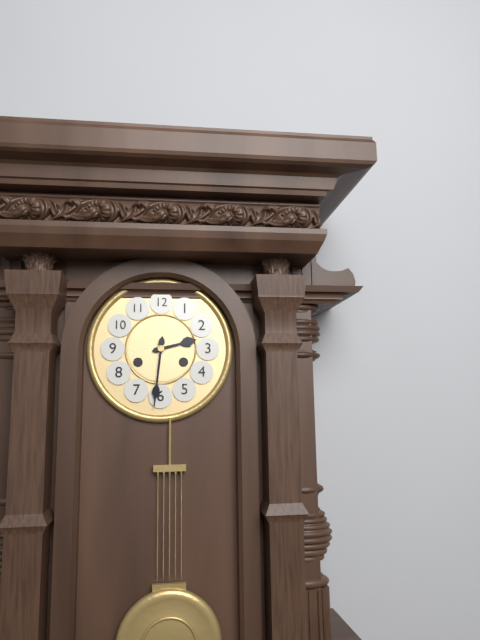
h=2 m=31
